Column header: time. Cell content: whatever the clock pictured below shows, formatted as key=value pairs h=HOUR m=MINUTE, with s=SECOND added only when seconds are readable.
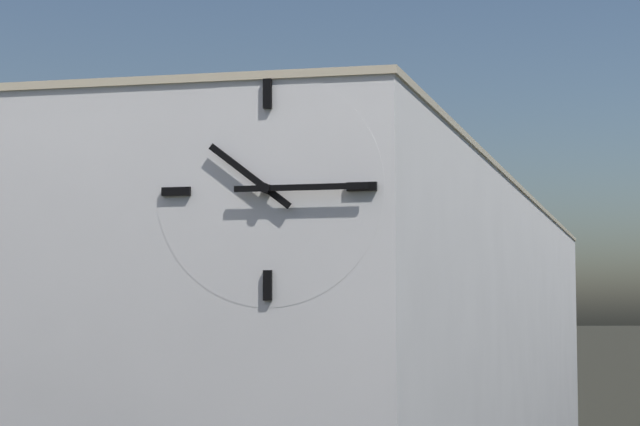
h=10 m=15
